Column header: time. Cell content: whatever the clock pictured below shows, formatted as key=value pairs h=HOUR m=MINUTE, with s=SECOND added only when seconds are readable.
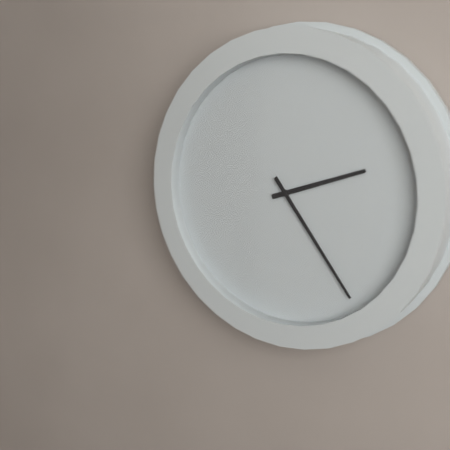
h=2 m=24
